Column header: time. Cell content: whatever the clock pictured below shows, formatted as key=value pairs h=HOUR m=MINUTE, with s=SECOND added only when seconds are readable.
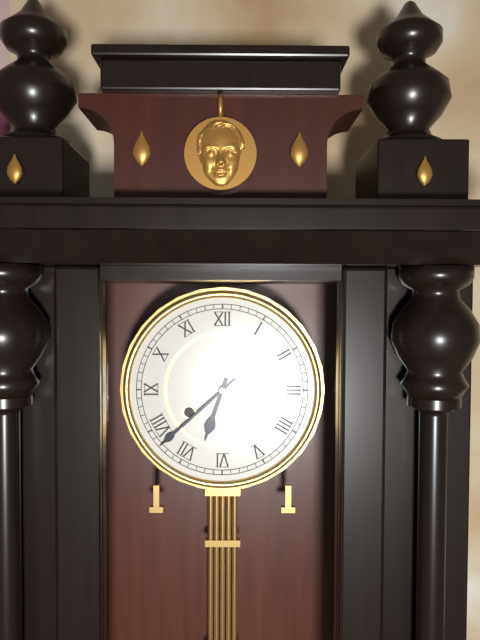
h=6 m=38
